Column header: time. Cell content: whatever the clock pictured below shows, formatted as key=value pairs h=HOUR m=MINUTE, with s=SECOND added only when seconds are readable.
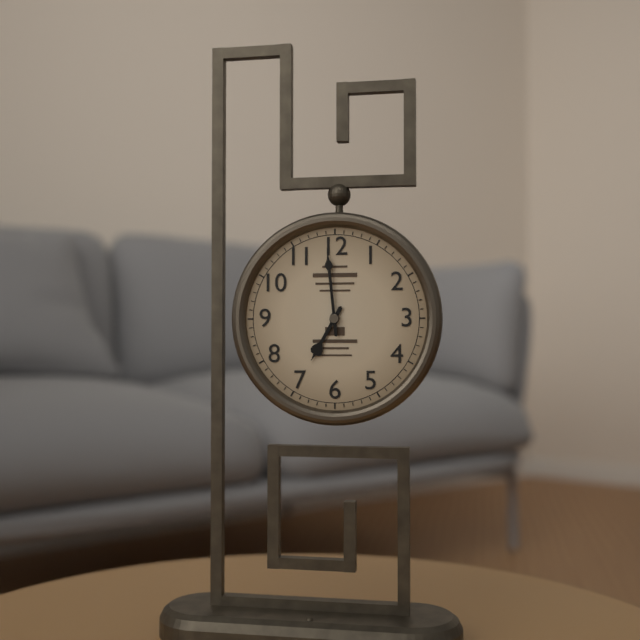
h=6 m=59
